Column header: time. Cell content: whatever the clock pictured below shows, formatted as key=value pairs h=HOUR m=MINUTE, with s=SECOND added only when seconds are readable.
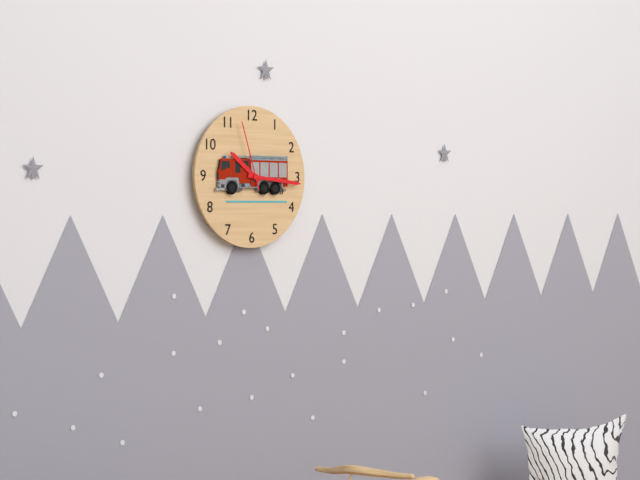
h=10 m=16 s=57
